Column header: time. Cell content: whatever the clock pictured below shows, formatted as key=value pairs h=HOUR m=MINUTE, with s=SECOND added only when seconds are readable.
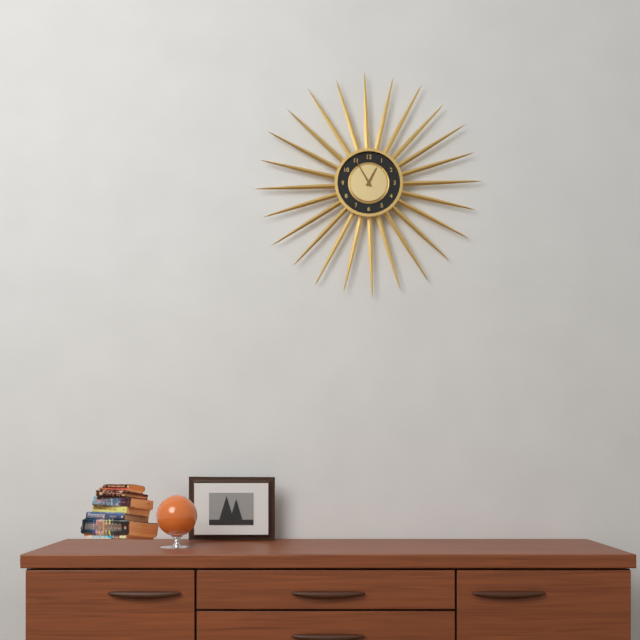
h=12 m=55
